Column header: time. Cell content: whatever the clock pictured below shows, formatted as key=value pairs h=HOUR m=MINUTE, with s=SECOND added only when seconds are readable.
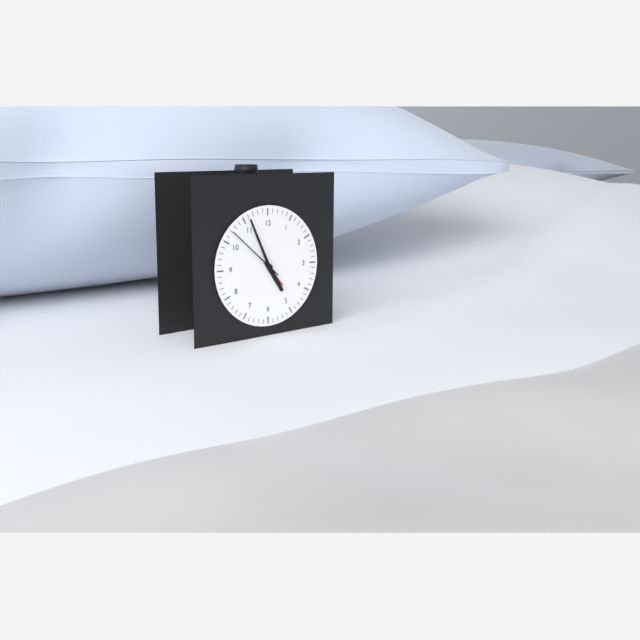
h=4 m=56 s=52
